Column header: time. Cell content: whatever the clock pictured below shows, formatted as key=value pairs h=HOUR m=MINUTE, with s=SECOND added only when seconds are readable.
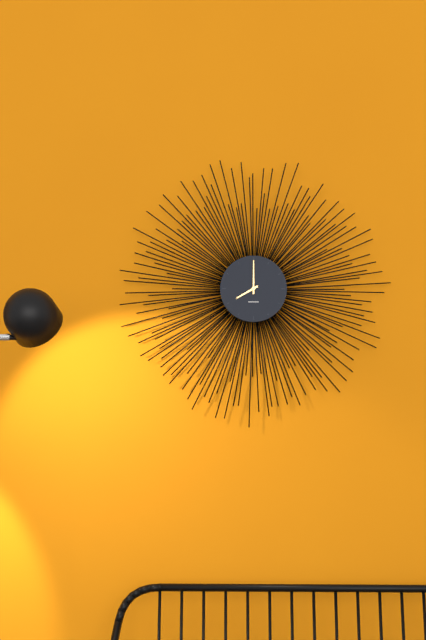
h=8 m=0
